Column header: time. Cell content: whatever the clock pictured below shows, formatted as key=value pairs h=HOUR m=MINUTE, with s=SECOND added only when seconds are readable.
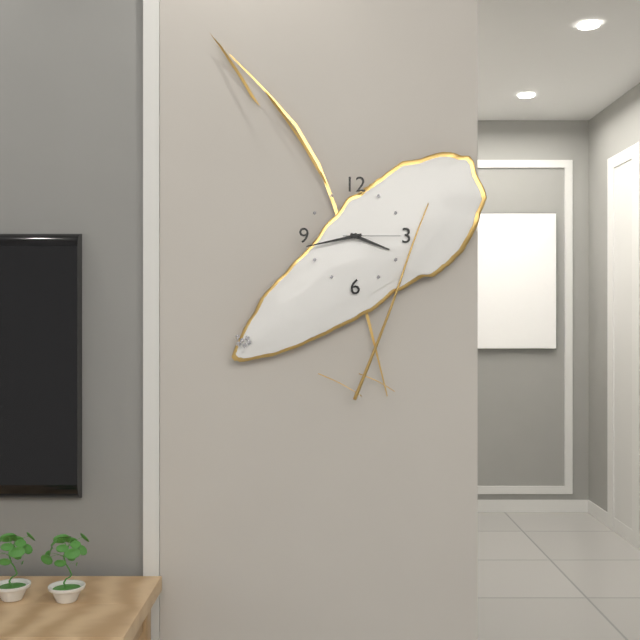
h=3 m=43 s=15
